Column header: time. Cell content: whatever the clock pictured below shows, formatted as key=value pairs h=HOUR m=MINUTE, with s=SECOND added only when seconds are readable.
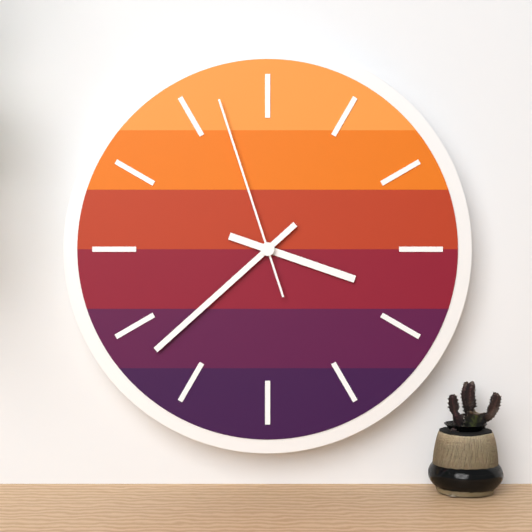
h=3 m=38 s=57
